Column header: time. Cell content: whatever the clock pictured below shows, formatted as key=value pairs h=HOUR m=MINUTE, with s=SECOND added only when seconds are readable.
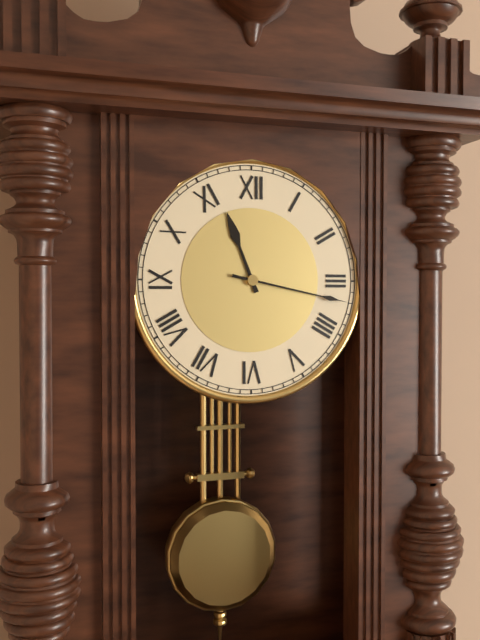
h=11 m=17
